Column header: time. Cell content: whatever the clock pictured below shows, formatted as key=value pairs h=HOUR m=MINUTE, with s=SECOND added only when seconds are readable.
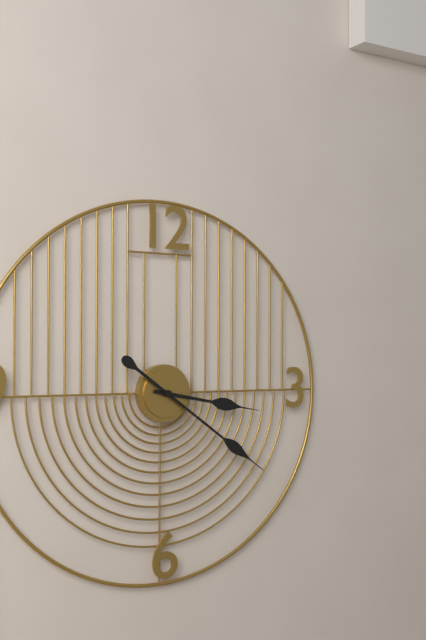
h=3 m=21
